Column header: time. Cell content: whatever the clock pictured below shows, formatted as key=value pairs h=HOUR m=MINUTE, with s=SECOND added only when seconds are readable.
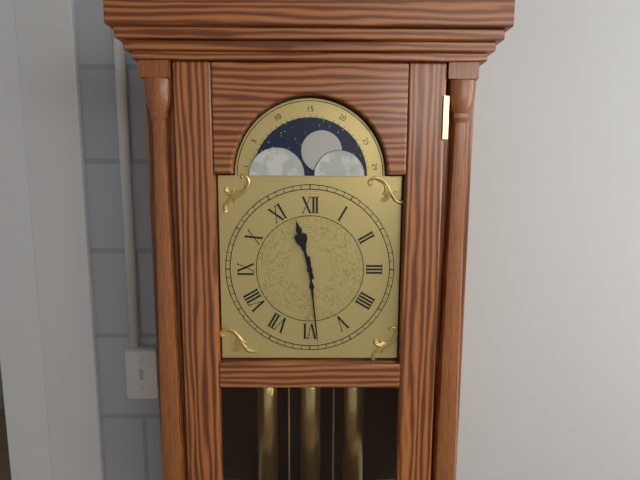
h=11 m=29
